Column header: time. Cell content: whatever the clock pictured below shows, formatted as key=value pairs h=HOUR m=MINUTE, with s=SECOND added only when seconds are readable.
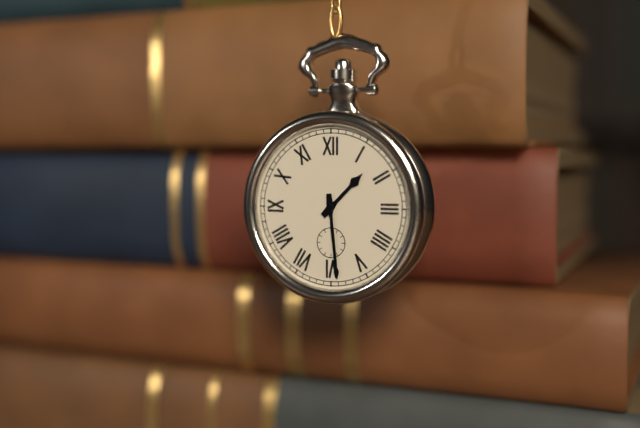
h=1 m=29
